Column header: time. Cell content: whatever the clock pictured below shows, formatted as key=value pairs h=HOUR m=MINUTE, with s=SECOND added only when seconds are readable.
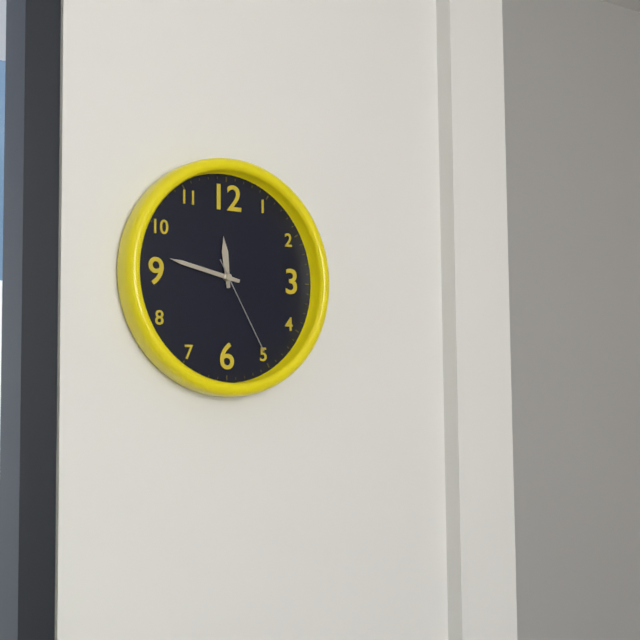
h=11 m=47 s=25
